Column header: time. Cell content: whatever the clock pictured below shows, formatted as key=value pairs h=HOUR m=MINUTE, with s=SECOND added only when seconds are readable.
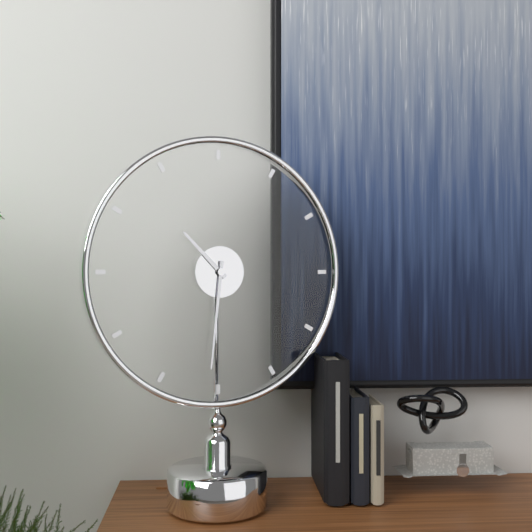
h=10 m=31
